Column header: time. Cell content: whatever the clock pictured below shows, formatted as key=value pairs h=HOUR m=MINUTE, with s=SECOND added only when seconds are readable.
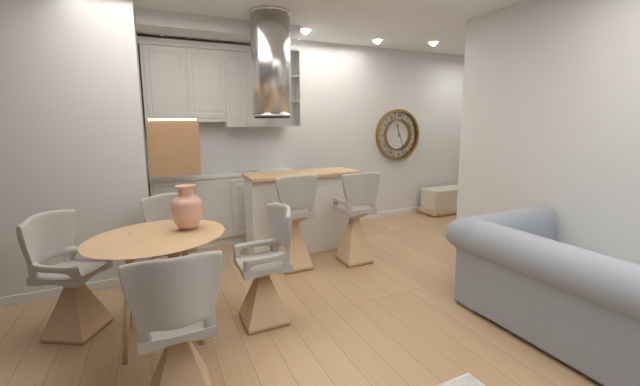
h=11 m=27
